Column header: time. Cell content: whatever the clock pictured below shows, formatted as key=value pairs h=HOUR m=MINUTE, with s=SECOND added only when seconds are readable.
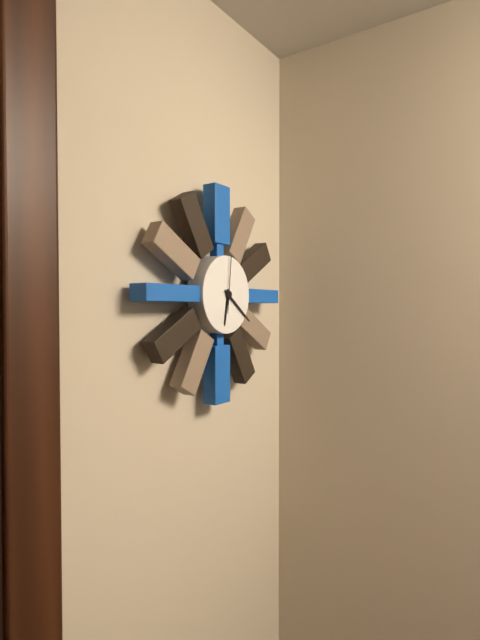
h=6 m=21
